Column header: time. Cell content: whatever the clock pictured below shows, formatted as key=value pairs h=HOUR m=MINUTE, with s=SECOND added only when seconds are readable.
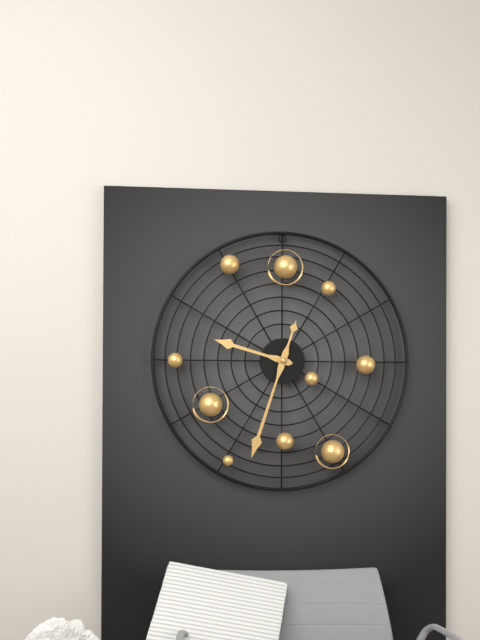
h=9 m=33
